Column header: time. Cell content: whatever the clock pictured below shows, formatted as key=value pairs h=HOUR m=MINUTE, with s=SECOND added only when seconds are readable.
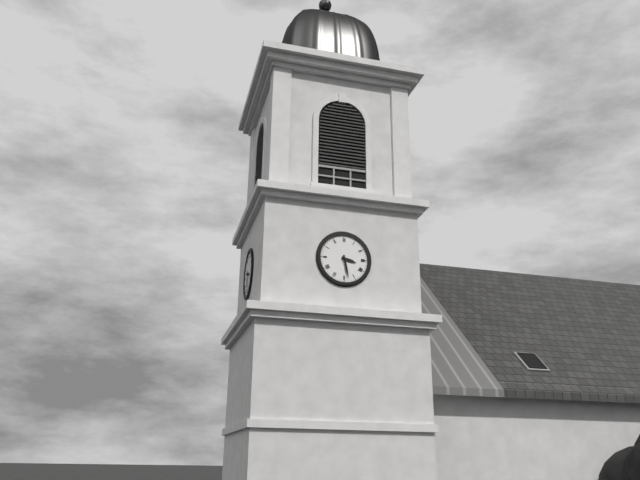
h=3 m=28
